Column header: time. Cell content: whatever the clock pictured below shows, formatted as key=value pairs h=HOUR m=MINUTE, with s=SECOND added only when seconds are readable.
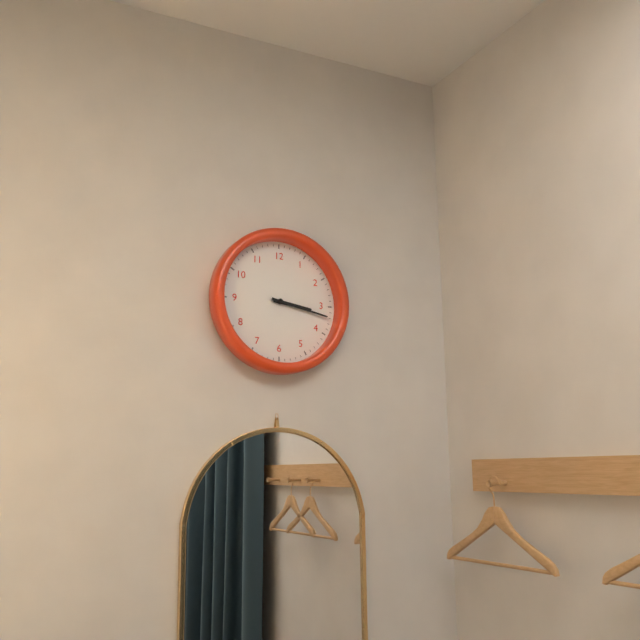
h=3 m=17
